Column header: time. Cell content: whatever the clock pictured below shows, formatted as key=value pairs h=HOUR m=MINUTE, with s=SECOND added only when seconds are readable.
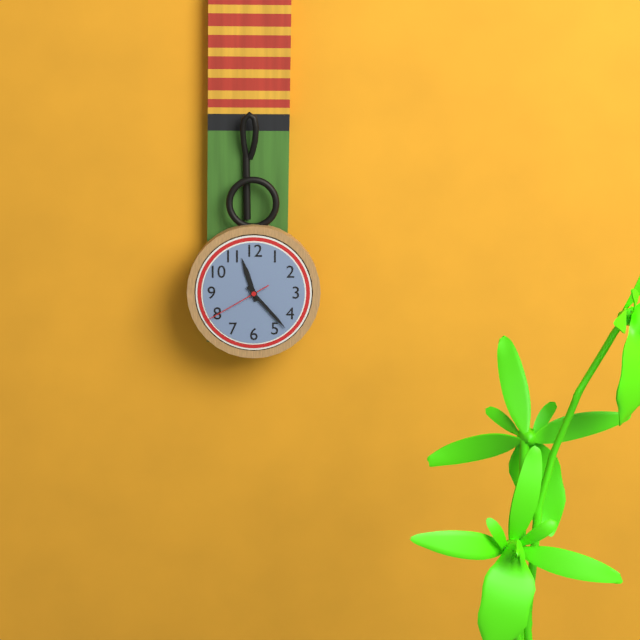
h=11 m=23 s=40
